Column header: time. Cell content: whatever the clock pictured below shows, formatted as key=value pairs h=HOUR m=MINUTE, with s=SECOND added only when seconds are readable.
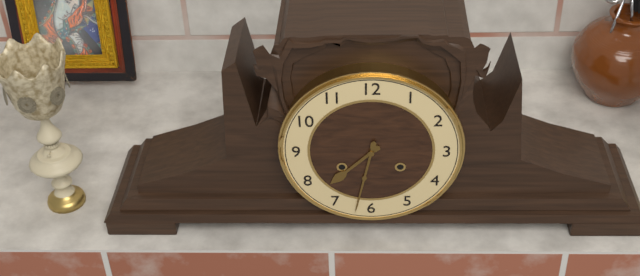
h=7 m=32
